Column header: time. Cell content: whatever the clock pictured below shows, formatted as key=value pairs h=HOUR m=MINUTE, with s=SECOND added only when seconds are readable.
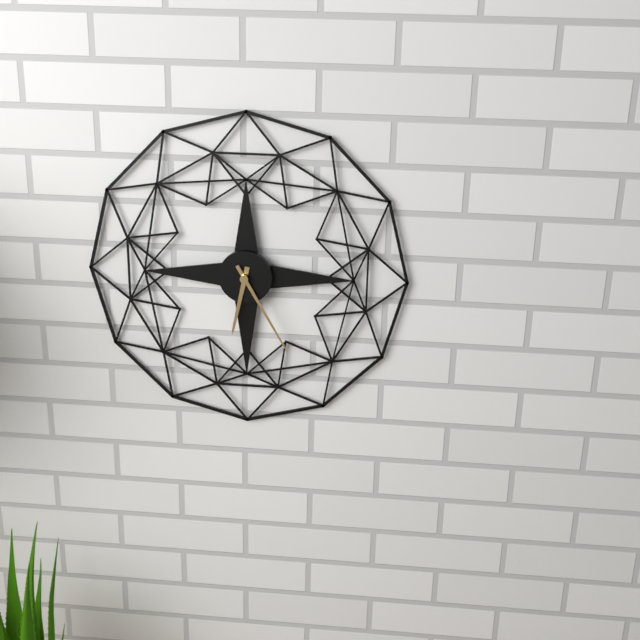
h=6 m=25
